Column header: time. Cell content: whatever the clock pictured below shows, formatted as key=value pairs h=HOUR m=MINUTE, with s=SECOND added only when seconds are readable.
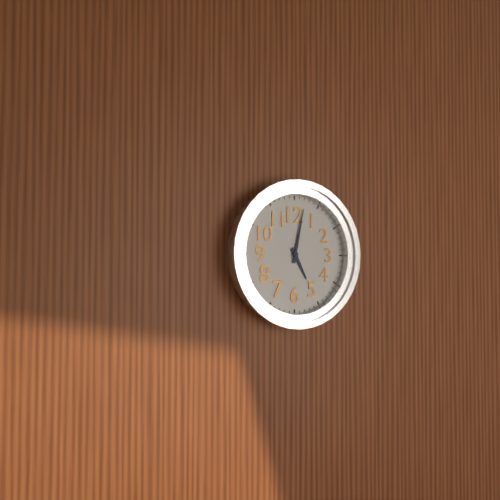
h=5 m=2
